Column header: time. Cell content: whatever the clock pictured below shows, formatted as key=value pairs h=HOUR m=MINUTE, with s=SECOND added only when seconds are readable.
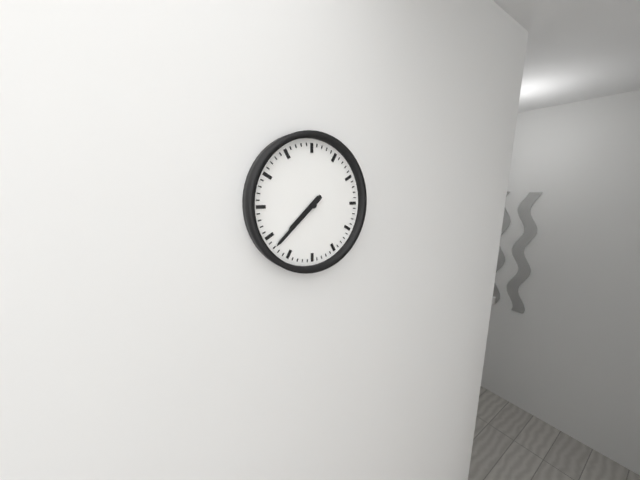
h=7 m=38
